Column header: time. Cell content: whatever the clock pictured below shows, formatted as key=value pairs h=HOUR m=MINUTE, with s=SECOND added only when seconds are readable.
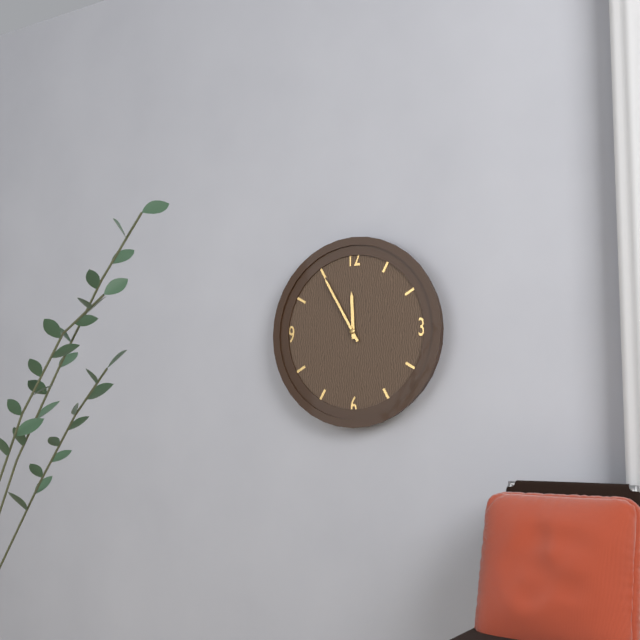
h=11 m=55
